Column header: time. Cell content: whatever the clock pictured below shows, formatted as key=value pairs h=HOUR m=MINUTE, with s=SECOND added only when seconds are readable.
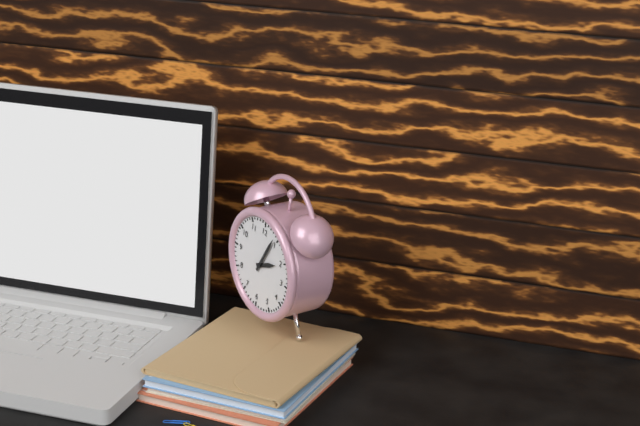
h=2 m=4
